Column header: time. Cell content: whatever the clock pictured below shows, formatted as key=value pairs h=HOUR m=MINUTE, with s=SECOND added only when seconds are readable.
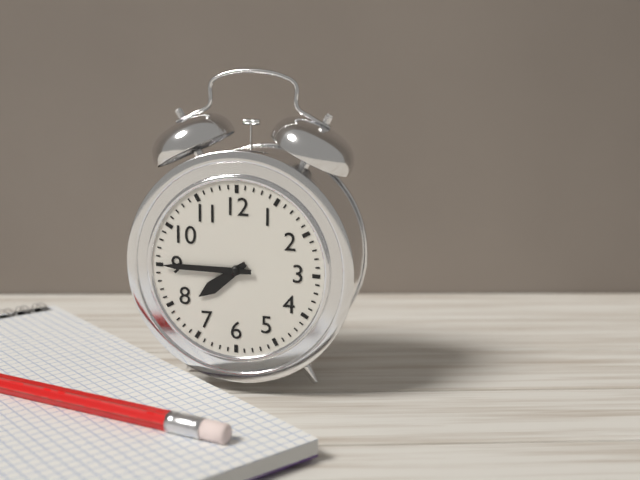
h=7 m=45
